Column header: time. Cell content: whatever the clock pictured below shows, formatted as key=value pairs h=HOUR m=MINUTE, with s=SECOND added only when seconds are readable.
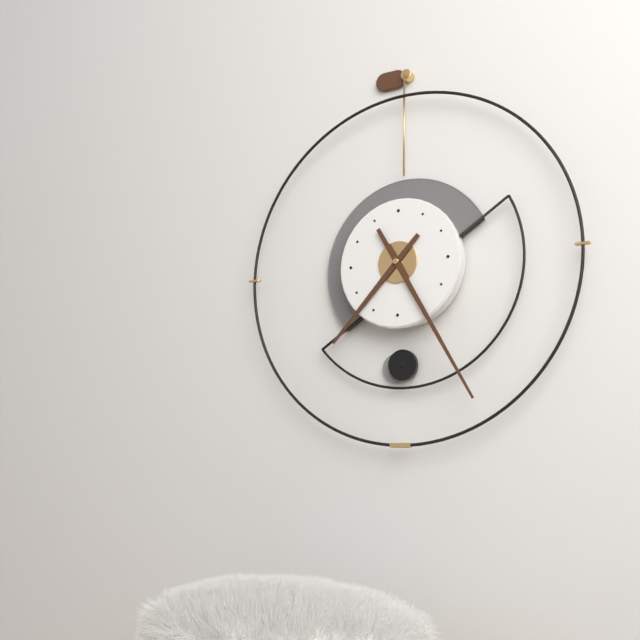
h=7 m=25
